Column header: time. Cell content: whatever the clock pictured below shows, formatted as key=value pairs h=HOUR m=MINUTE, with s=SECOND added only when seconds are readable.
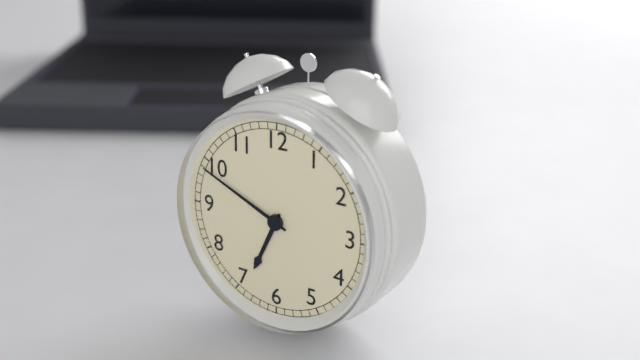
h=6 m=49
